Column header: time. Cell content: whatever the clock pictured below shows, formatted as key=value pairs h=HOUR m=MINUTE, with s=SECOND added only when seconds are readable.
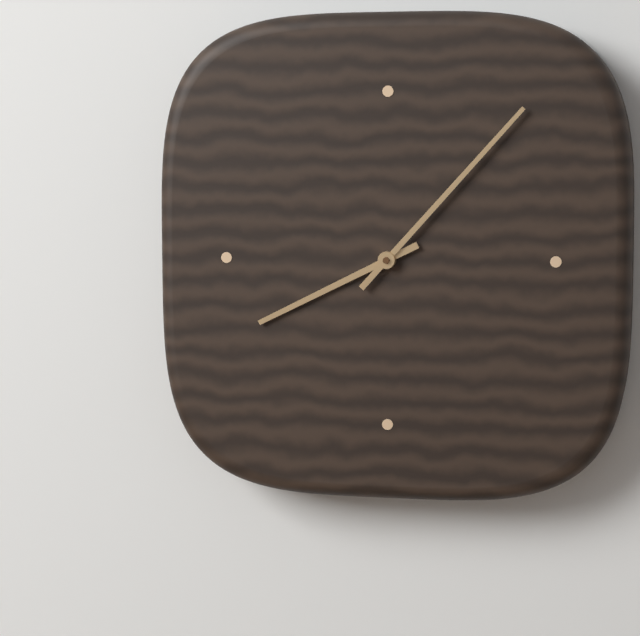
h=8 m=7
